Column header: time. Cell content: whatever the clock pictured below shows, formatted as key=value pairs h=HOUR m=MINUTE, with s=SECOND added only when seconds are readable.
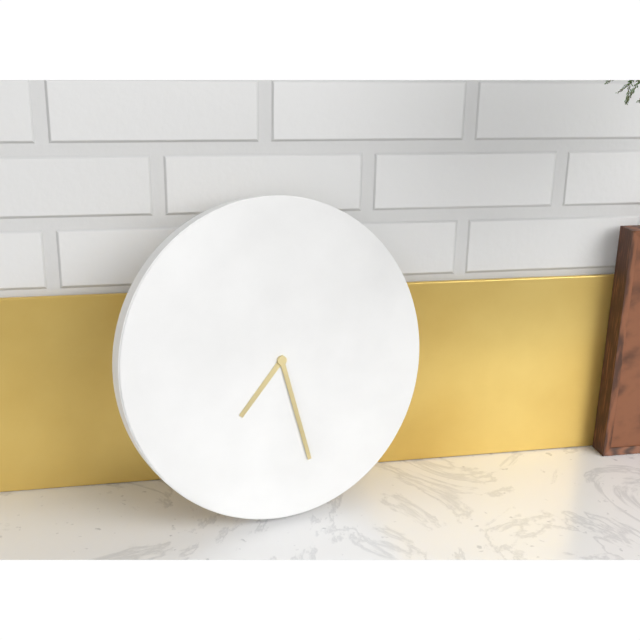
h=7 m=28
